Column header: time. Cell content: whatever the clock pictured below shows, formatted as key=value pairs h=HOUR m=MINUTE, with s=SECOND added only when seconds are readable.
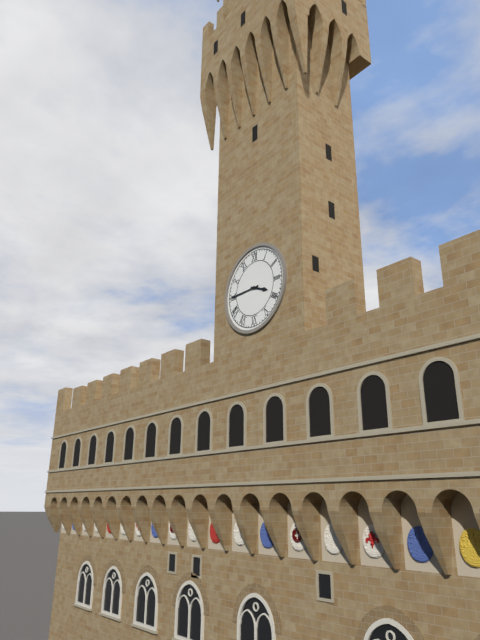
h=3 m=45
